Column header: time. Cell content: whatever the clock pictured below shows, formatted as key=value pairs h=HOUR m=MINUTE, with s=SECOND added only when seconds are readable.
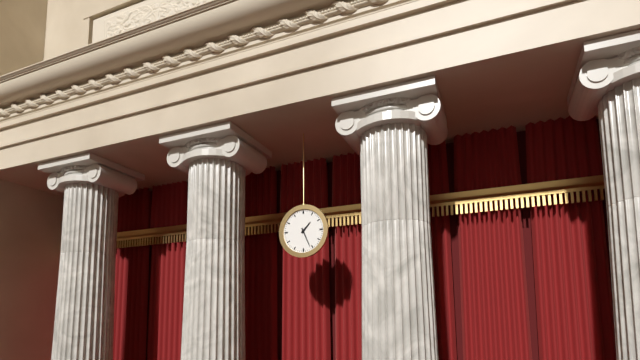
h=1 m=26
